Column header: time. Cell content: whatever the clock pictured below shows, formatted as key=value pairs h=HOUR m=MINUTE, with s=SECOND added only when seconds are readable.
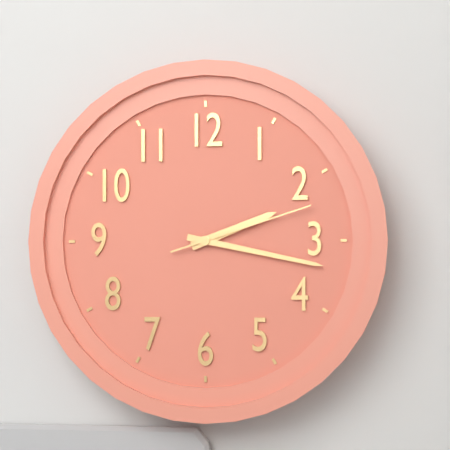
h=2 m=17 s=12
